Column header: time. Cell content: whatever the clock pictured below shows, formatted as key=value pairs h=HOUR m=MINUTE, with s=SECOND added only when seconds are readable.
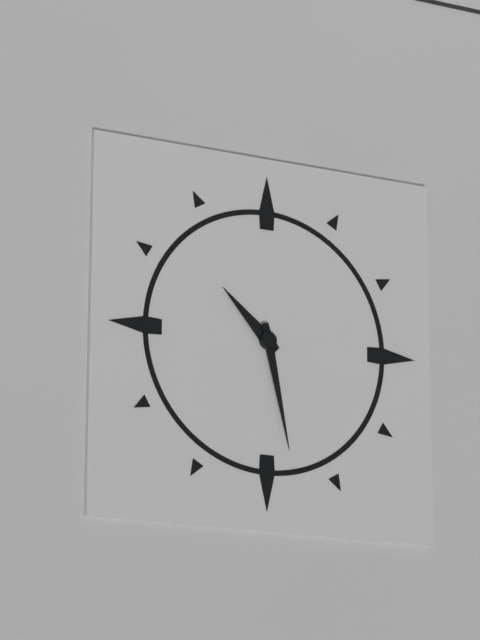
h=10 m=28
